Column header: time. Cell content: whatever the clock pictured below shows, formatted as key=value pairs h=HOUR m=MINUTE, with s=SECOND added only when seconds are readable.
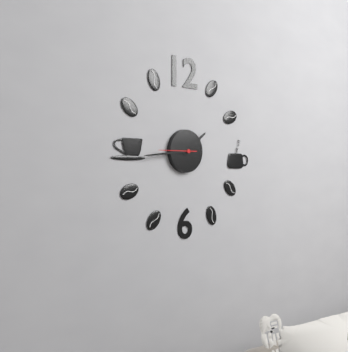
h=1 m=44
